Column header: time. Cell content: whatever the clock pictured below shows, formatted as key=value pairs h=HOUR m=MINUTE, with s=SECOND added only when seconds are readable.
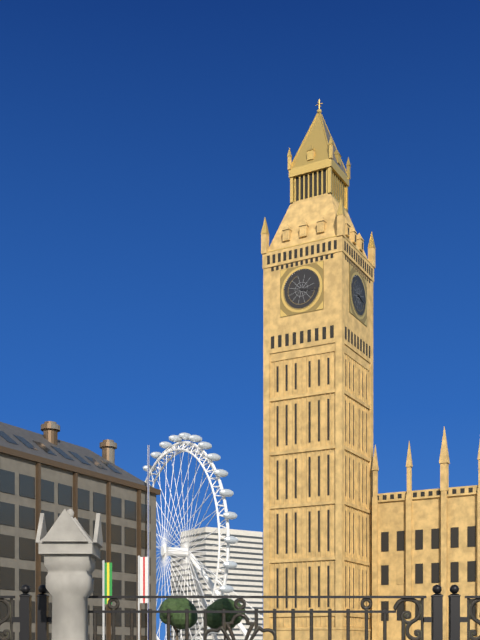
h=3 m=17
